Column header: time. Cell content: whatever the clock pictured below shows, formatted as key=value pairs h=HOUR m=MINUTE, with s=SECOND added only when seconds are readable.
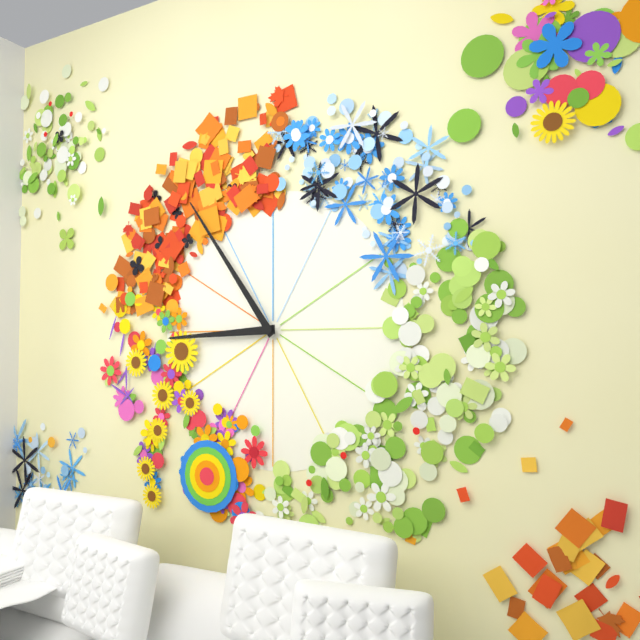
h=8 m=54
